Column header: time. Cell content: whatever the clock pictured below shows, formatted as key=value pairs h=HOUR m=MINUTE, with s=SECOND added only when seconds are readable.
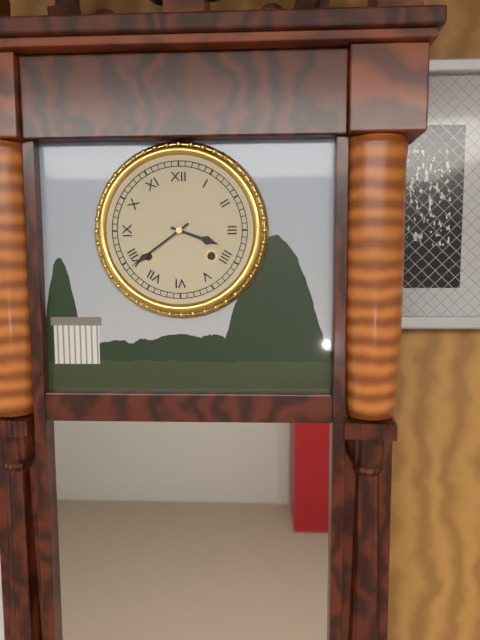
h=3 m=39
